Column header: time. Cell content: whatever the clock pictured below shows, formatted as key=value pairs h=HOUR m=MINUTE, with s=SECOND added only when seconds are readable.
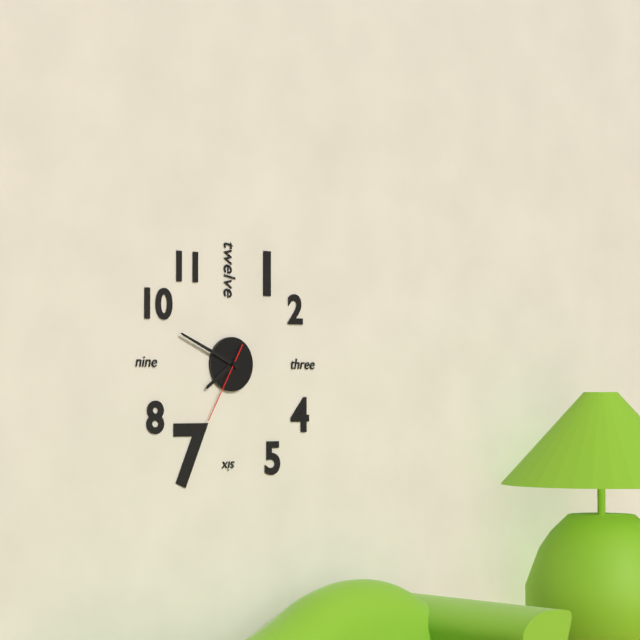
h=7 m=49 s=35
